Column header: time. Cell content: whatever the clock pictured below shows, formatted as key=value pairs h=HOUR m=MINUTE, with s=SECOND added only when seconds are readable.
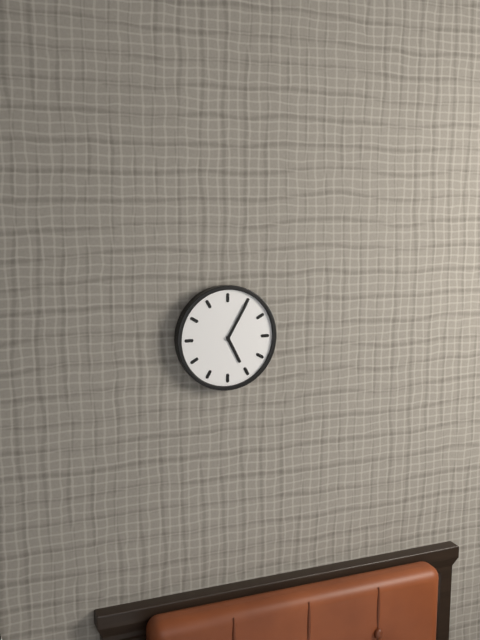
h=5 m=5
